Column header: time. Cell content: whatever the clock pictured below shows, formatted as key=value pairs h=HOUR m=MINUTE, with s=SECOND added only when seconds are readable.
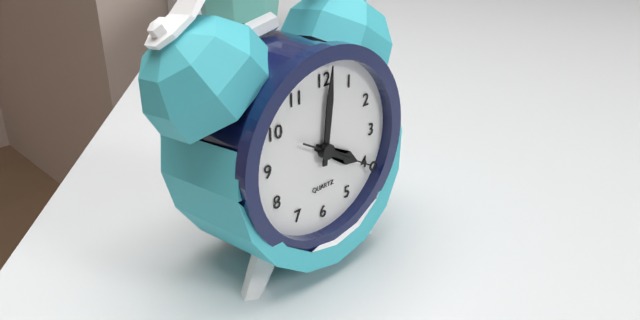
h=4 m=1 s=20
